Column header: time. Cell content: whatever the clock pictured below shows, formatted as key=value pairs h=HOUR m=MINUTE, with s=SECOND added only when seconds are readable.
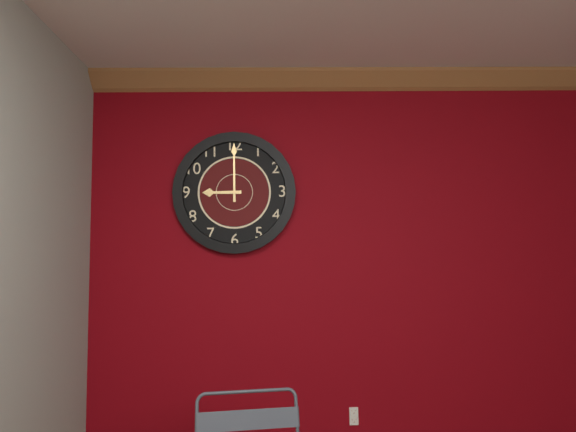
h=9 m=0
